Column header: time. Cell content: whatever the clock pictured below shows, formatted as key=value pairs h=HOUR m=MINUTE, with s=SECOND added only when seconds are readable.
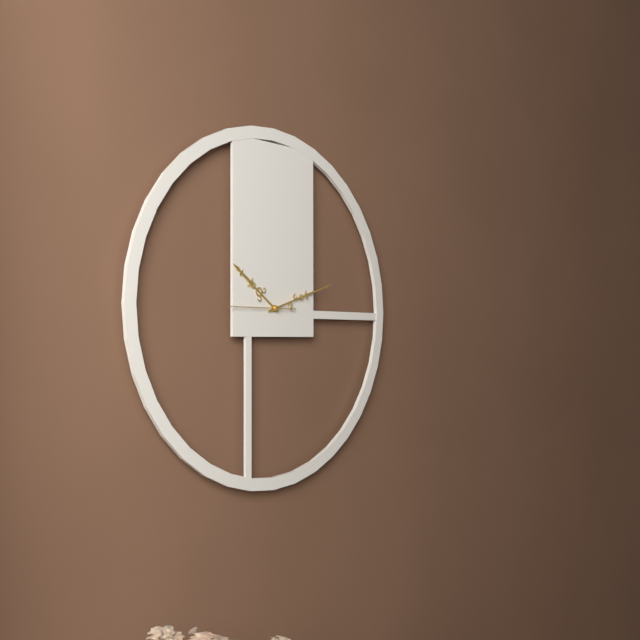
h=10 m=12 s=45
